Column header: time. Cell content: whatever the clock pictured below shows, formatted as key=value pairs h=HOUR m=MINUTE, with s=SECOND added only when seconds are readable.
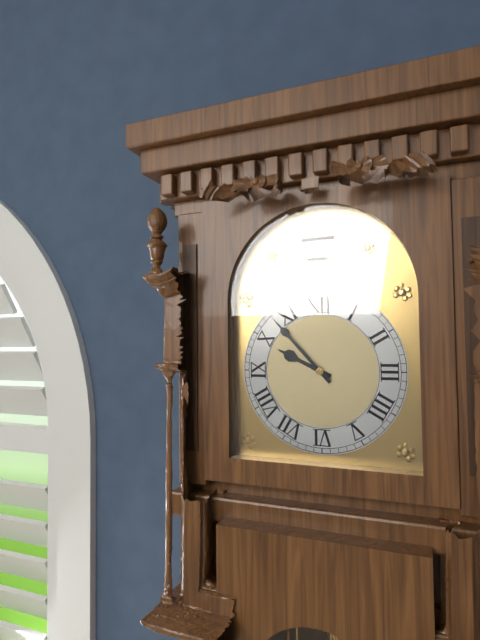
h=9 m=53
